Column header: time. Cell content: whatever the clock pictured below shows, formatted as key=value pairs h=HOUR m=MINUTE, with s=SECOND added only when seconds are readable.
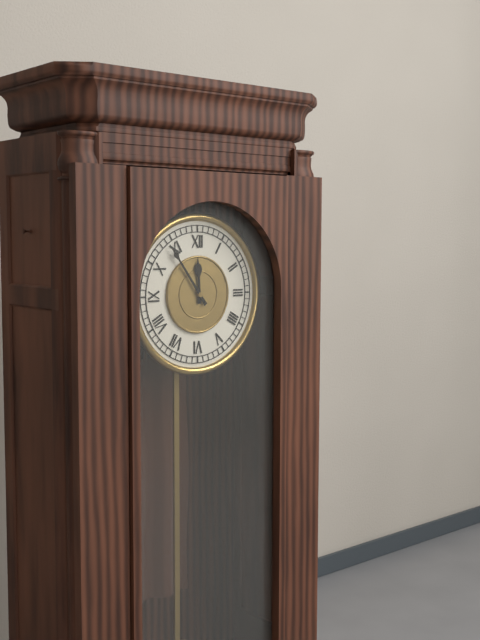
h=11 m=54
